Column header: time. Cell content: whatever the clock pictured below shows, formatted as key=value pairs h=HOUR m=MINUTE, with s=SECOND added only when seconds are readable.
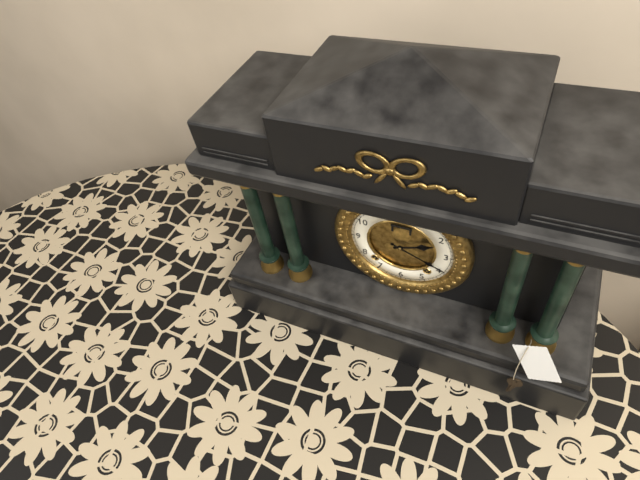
h=2 m=19
